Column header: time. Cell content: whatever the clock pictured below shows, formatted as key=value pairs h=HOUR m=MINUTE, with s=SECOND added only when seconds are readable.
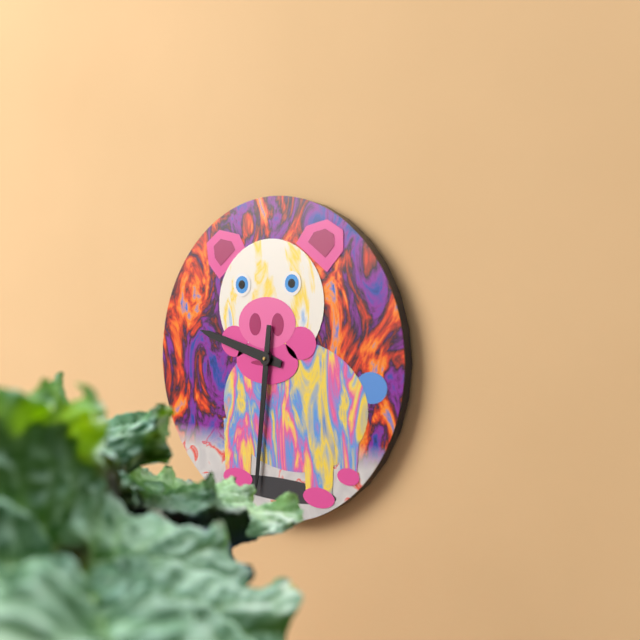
h=9 m=31
